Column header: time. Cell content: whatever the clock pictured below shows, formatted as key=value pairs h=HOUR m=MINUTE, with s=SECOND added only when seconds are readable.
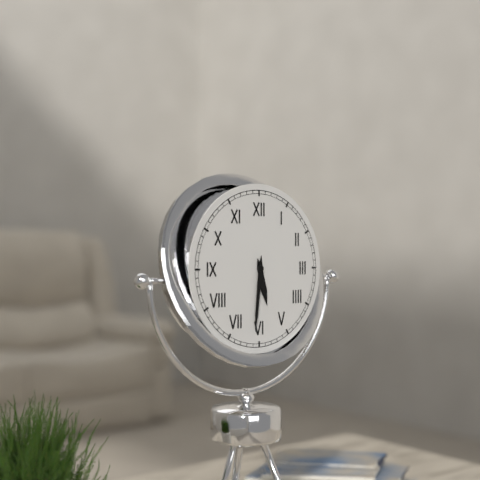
h=5 m=31
